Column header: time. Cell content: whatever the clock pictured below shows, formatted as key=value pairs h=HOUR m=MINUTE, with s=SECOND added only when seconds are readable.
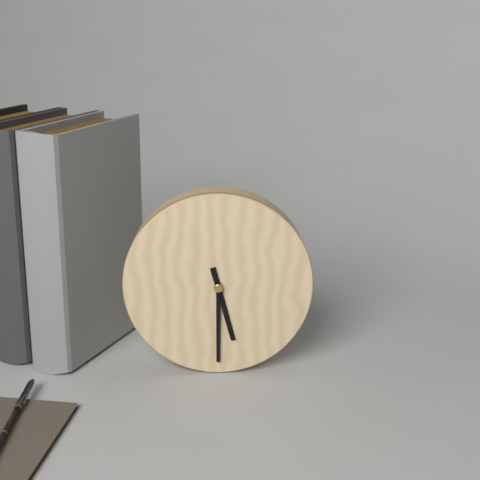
h=5 m=30
